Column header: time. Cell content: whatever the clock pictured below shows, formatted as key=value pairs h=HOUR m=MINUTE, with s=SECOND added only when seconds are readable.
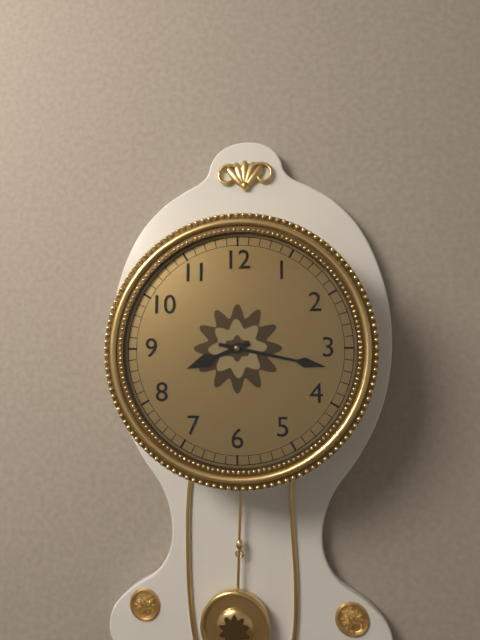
h=8 m=17
